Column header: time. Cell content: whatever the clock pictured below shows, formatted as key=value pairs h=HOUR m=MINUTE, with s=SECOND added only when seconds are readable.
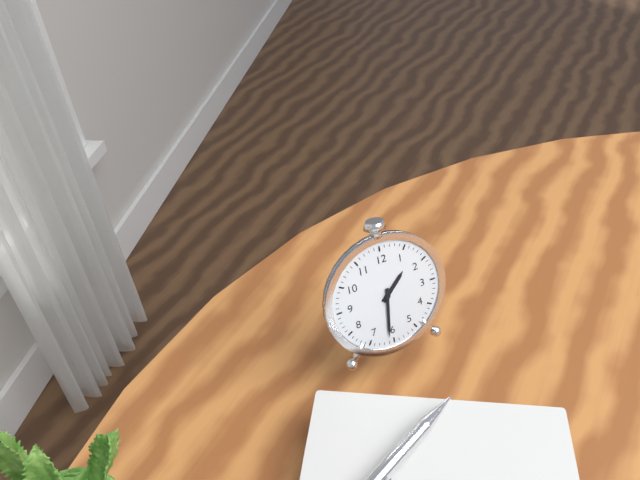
h=1 m=31
